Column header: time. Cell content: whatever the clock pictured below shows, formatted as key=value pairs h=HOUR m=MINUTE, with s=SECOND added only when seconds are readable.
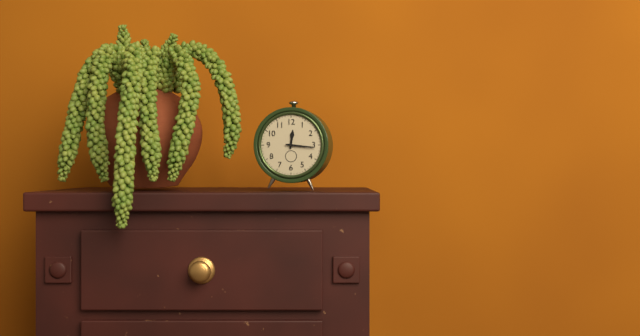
h=12 m=16
